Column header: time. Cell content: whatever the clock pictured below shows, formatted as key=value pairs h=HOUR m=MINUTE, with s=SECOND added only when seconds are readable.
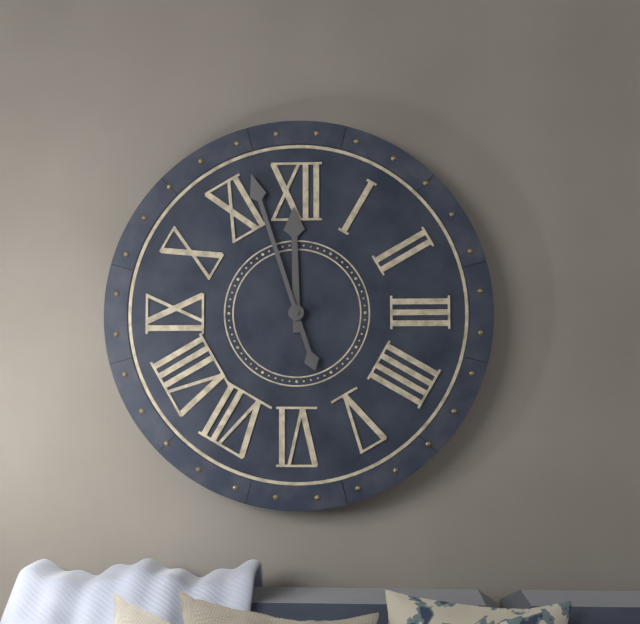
h=11 m=57
